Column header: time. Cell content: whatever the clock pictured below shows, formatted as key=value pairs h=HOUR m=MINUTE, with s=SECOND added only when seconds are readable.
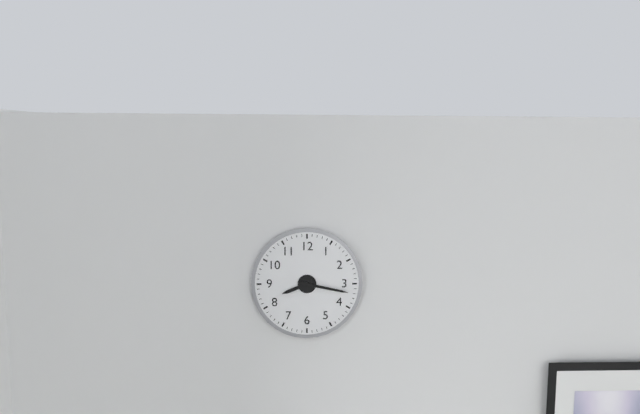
h=8 m=17
